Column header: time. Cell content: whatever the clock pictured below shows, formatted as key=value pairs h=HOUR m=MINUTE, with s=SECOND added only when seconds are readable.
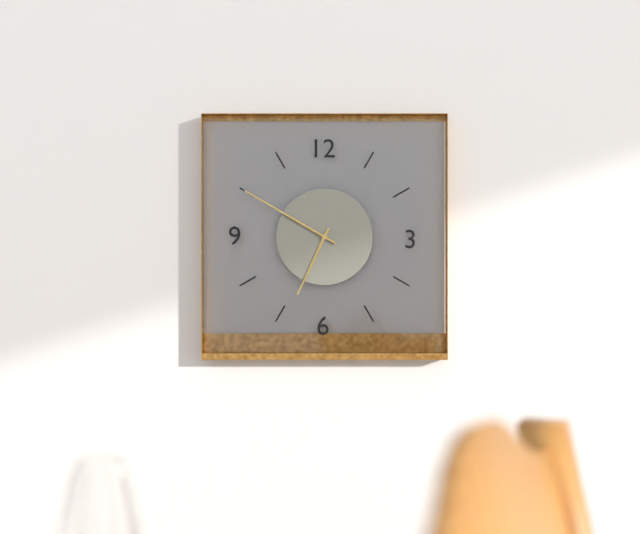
h=6 m=50
